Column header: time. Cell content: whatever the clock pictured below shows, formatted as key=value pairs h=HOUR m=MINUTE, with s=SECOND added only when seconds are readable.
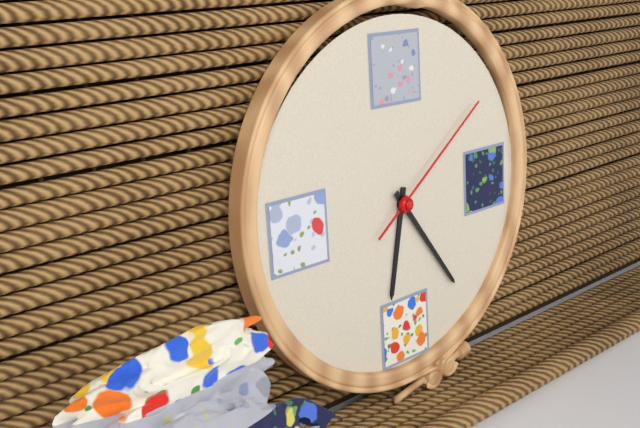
h=6 m=24 s=9
